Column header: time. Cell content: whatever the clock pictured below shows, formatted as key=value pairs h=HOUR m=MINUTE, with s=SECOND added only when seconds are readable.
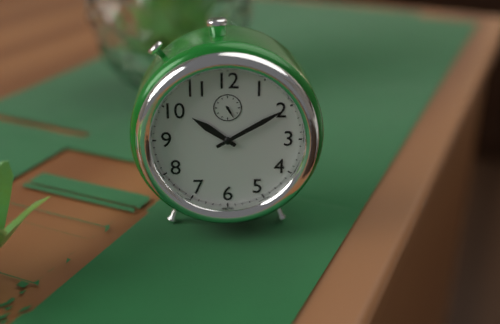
h=10 m=10
